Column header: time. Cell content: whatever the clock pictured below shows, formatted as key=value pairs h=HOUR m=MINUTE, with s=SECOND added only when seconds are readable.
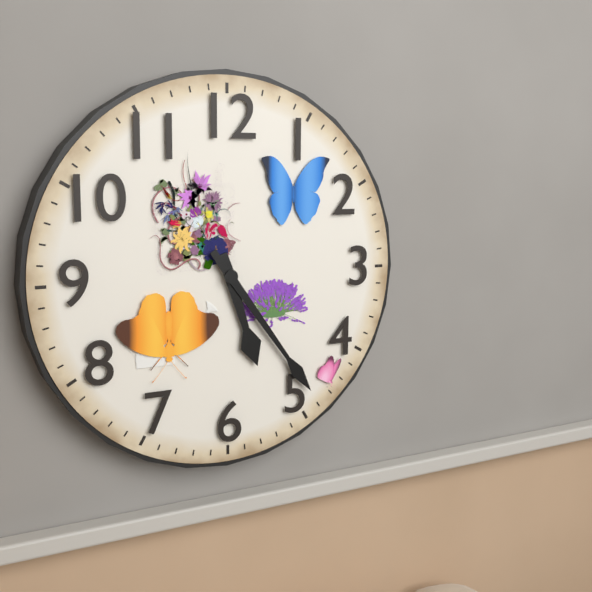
h=5 m=24
